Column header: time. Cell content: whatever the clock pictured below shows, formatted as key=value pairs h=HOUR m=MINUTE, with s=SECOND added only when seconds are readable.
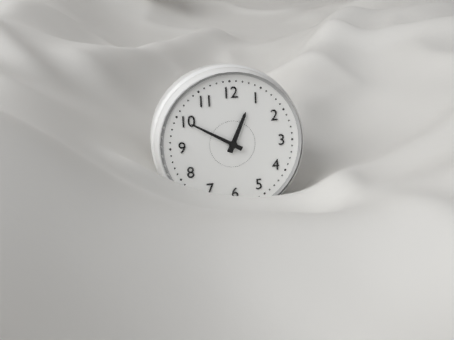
h=12 m=50
